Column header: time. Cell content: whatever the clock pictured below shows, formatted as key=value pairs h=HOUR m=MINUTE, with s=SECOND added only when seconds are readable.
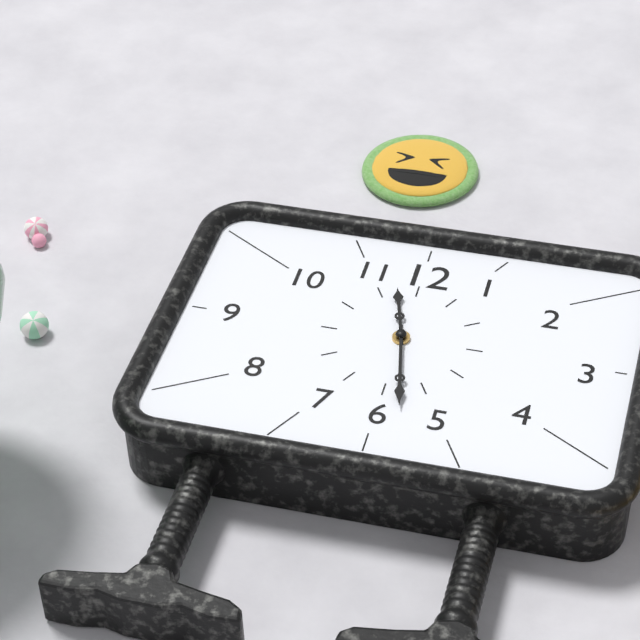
h=11 m=28
